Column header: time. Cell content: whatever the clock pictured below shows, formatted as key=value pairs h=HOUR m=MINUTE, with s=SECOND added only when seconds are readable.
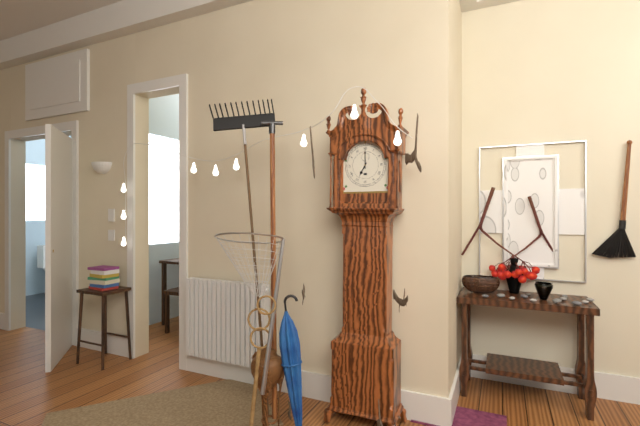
h=7 m=0
